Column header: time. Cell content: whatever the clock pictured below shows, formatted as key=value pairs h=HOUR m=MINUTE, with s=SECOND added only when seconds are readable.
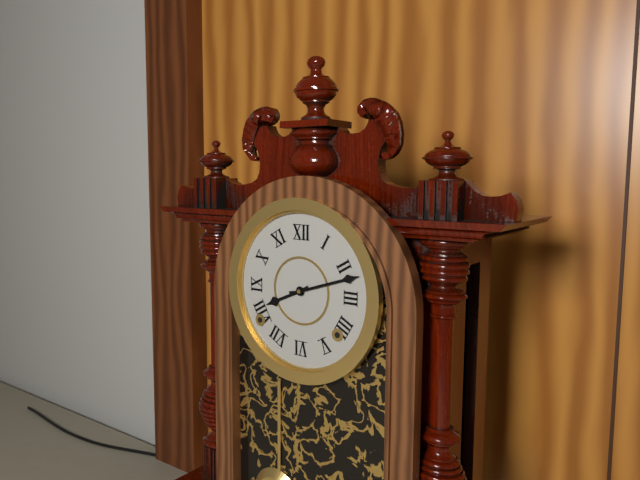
h=8 m=12
